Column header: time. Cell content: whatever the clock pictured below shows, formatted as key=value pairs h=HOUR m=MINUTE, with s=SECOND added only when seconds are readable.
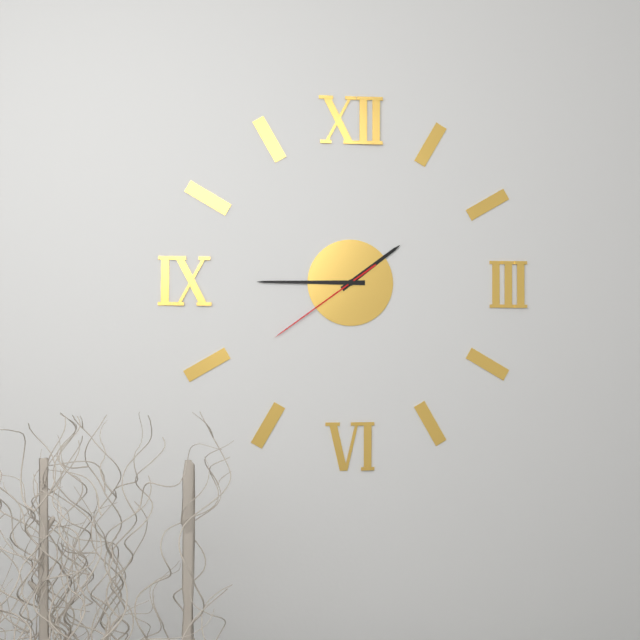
h=1 m=45 s=39
